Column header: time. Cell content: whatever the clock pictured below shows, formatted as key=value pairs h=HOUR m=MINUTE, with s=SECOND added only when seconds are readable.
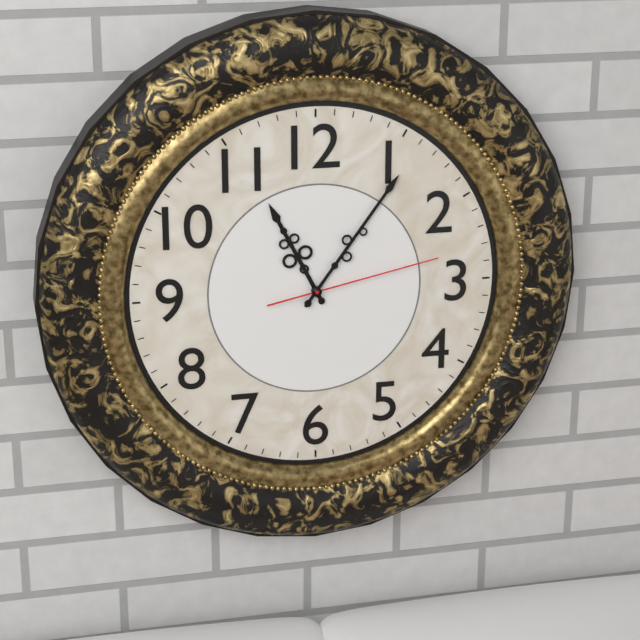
h=11 m=6 s=13
